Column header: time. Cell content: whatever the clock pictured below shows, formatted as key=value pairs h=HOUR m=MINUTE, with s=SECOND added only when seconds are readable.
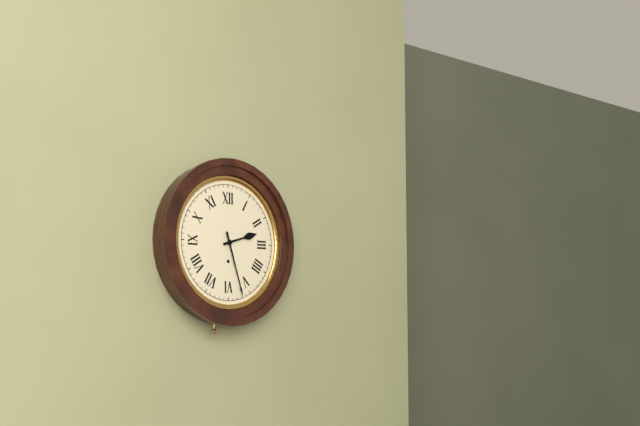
h=2 m=27
